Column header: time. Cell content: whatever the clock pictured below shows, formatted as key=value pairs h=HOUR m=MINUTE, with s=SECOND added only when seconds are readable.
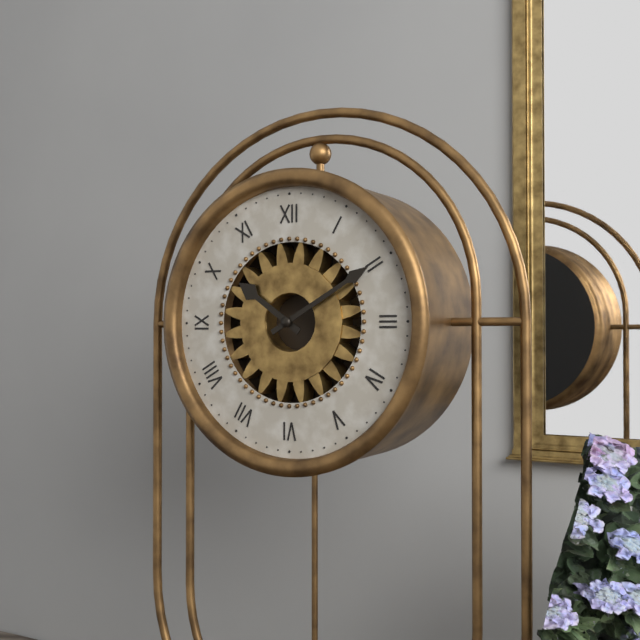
h=10 m=10
